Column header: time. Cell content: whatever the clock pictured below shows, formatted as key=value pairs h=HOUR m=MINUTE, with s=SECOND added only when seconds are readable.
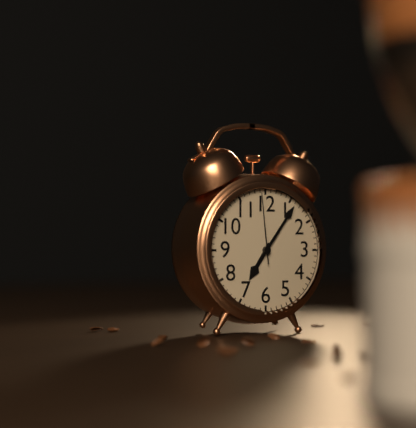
h=7 m=6 s=59
